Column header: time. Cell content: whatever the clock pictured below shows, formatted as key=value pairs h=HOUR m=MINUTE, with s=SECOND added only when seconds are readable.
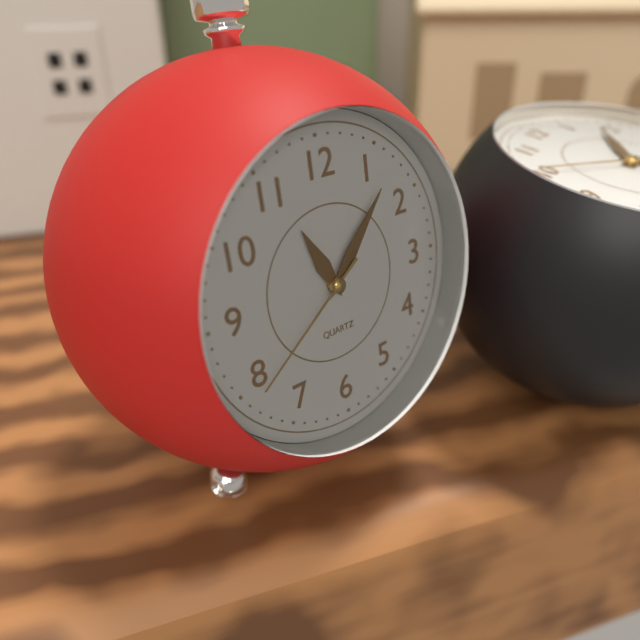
h=11 m=7 s=39
